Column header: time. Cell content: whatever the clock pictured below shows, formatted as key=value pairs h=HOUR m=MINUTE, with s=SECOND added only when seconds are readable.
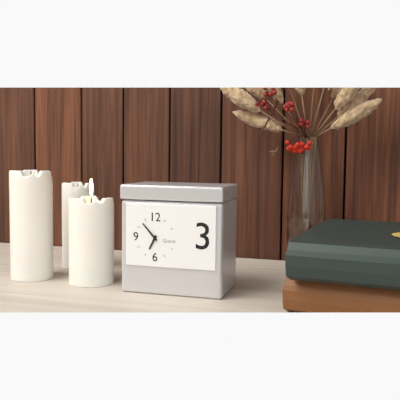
h=6 m=53
